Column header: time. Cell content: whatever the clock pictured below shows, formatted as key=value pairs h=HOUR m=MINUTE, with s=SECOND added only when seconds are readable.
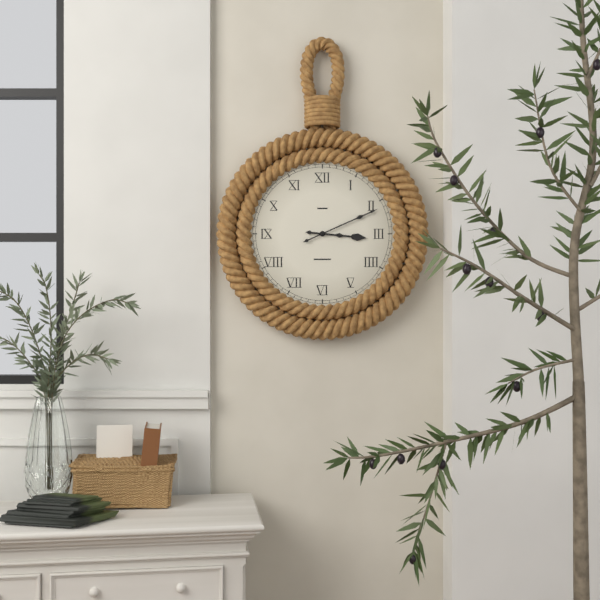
h=3 m=11
